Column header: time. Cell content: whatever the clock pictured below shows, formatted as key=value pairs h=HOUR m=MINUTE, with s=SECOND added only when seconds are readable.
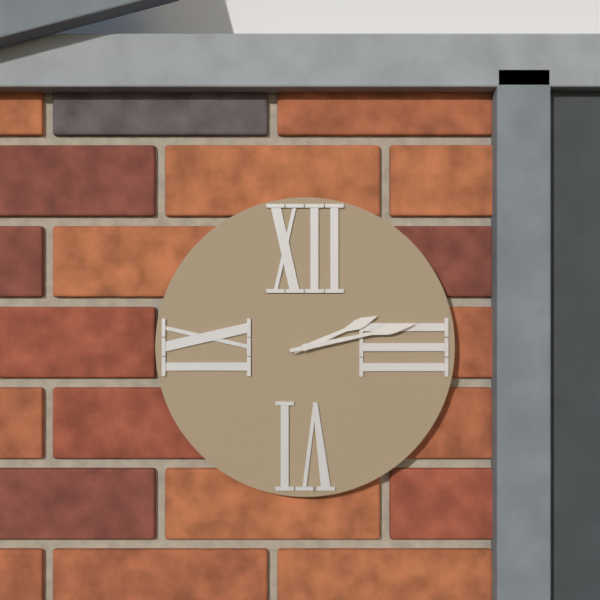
h=2 m=13
